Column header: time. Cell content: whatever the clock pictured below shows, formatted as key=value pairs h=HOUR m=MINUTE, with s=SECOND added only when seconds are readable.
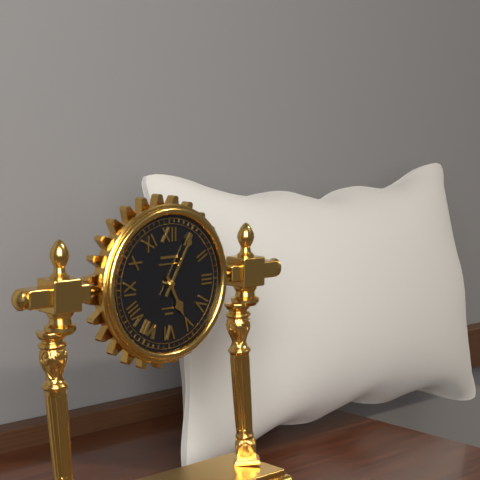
h=5 m=5
